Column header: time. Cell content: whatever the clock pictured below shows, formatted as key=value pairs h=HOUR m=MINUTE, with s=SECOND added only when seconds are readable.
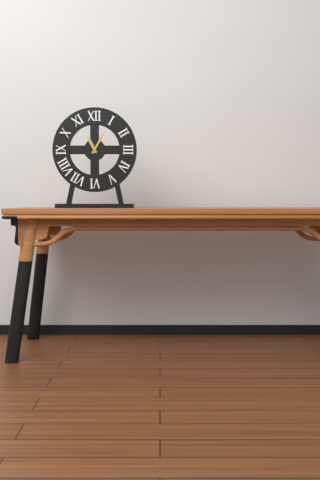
h=11 m=5
